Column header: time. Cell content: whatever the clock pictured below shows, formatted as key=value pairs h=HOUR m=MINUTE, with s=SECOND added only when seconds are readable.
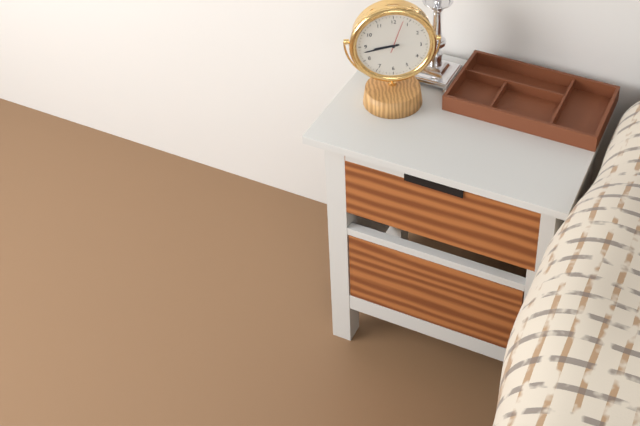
h=8 m=43
